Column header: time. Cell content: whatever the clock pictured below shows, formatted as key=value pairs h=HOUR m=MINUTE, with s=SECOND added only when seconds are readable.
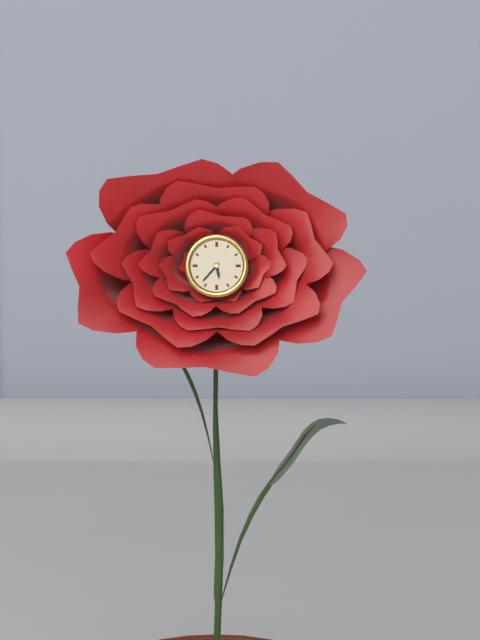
h=5 m=37
